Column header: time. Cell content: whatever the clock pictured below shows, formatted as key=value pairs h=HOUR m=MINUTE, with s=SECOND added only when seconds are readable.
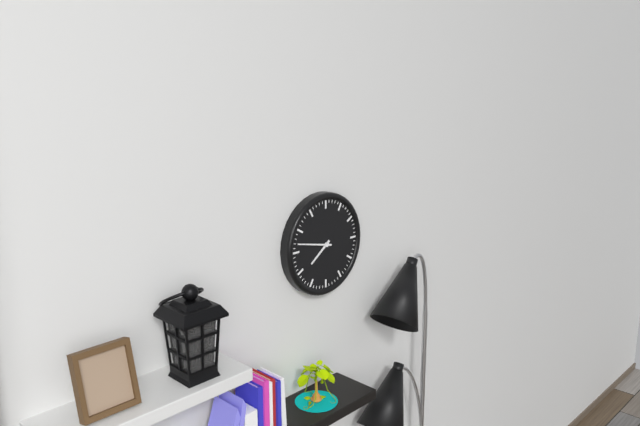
h=7 m=47
